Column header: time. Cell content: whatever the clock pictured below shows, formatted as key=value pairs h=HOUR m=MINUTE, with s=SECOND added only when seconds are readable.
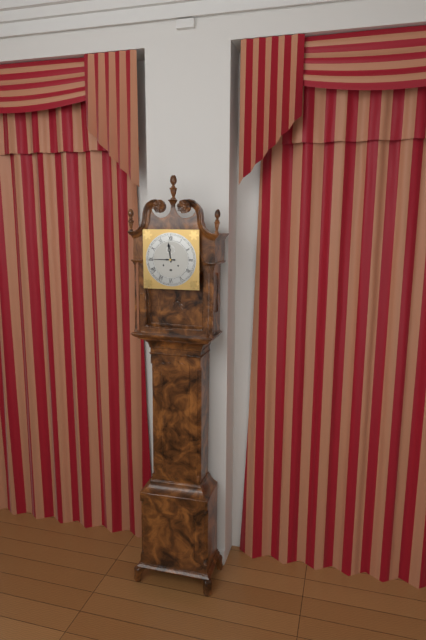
h=11 m=45
